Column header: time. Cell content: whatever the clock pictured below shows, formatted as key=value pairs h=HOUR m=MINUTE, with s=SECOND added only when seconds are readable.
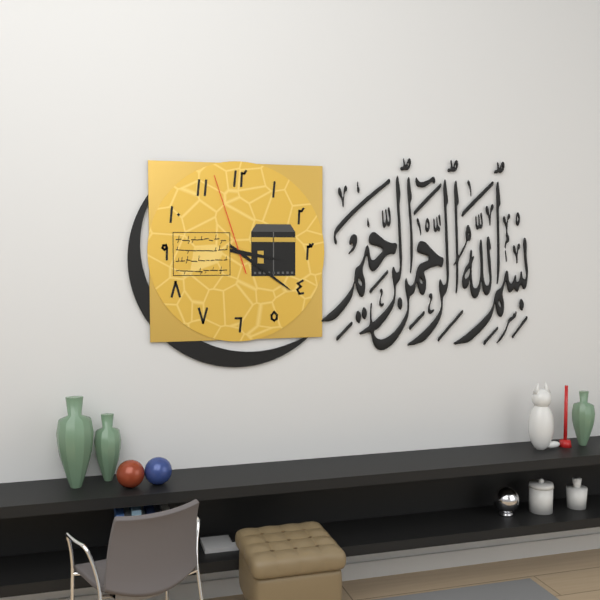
h=3 m=21 s=57
